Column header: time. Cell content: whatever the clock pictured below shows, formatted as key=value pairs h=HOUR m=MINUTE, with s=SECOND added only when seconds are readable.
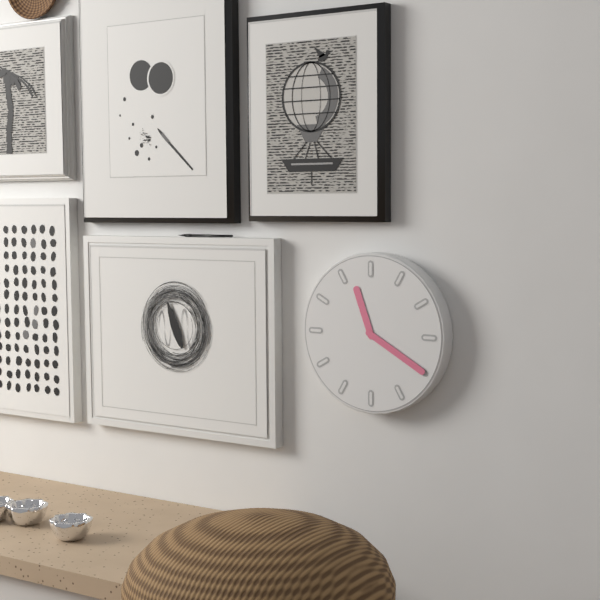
h=11 m=20
